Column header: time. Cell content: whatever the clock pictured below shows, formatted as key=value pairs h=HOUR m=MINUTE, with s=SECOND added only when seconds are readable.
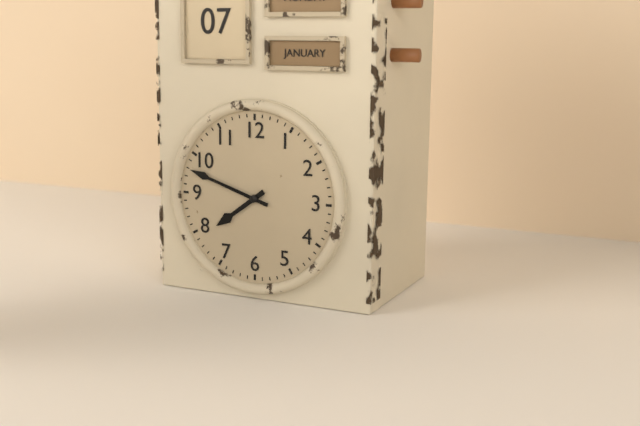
h=7 m=48
